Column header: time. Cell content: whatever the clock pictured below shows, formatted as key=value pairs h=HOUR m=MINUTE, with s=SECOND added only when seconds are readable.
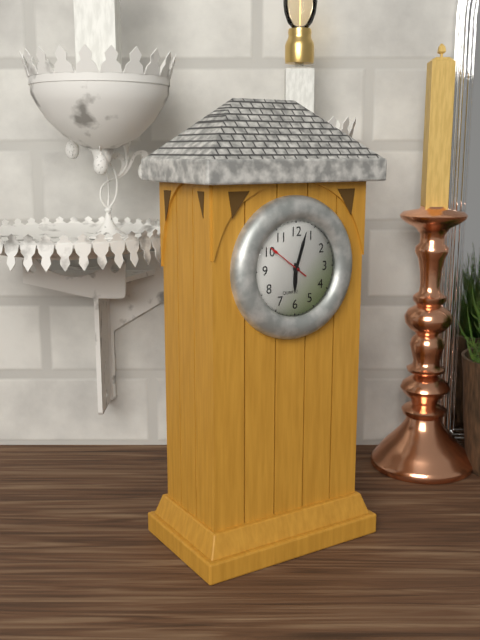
h=6 m=3
